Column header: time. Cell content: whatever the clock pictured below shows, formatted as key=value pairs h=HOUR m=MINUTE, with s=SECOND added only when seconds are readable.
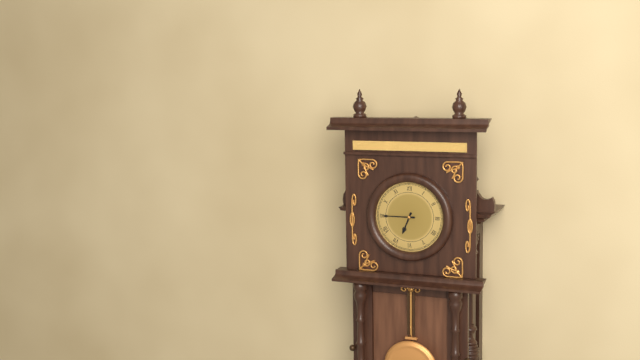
h=6 m=45
